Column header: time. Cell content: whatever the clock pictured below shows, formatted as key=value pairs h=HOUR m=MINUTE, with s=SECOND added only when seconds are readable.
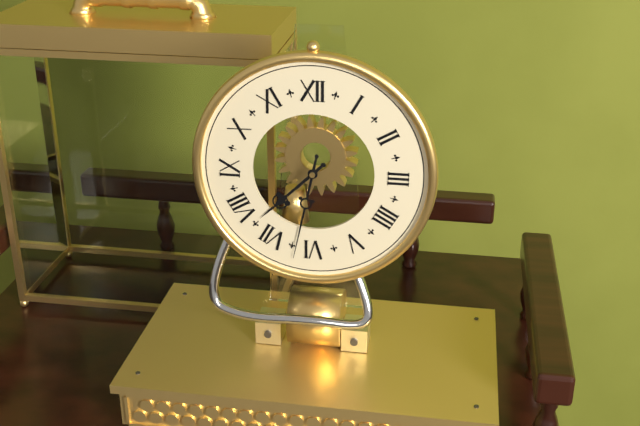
h=7 m=32
